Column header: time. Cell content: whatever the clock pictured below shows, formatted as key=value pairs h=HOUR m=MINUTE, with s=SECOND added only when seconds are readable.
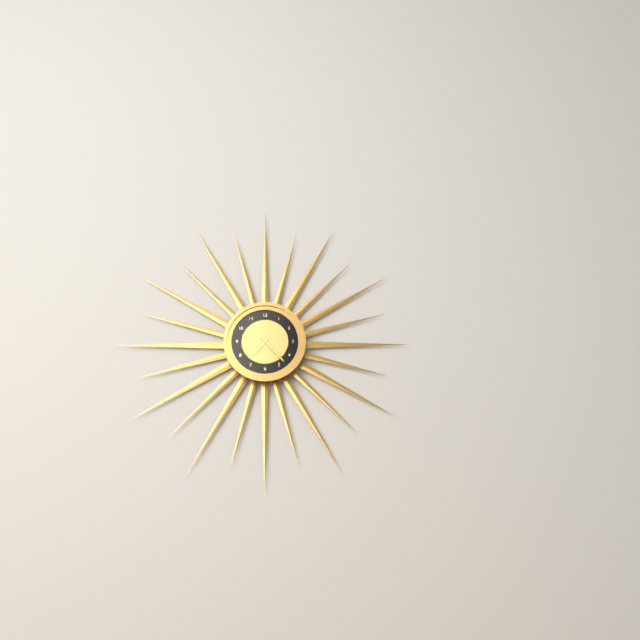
h=7 m=23
